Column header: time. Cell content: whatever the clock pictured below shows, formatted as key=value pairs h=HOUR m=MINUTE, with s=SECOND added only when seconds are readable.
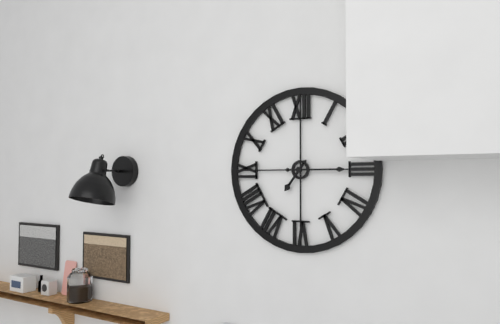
h=7 m=15
